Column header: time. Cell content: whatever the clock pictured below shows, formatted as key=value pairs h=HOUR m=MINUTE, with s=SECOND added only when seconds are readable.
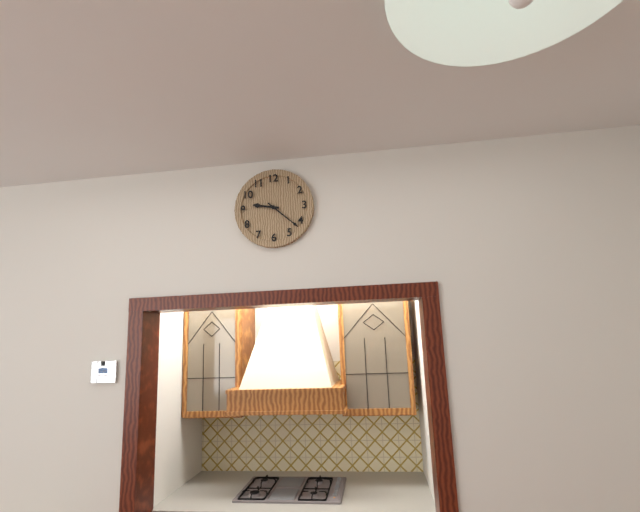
h=9 m=22
